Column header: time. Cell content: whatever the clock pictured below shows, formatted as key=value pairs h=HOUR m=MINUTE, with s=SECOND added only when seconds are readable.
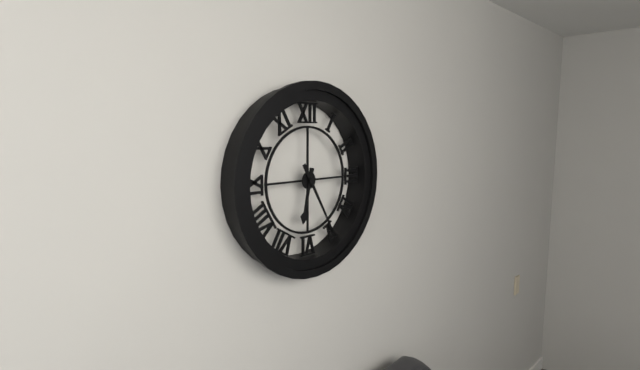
h=6 m=25
